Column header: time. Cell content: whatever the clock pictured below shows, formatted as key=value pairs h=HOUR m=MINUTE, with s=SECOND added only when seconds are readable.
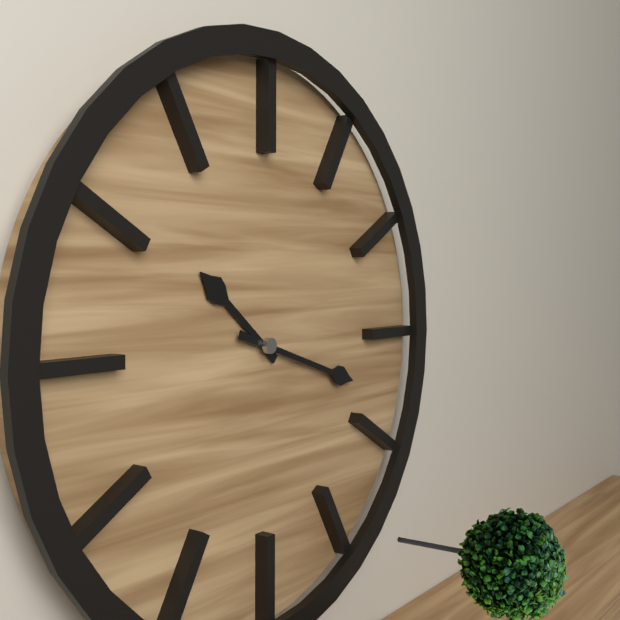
h=10 m=18
